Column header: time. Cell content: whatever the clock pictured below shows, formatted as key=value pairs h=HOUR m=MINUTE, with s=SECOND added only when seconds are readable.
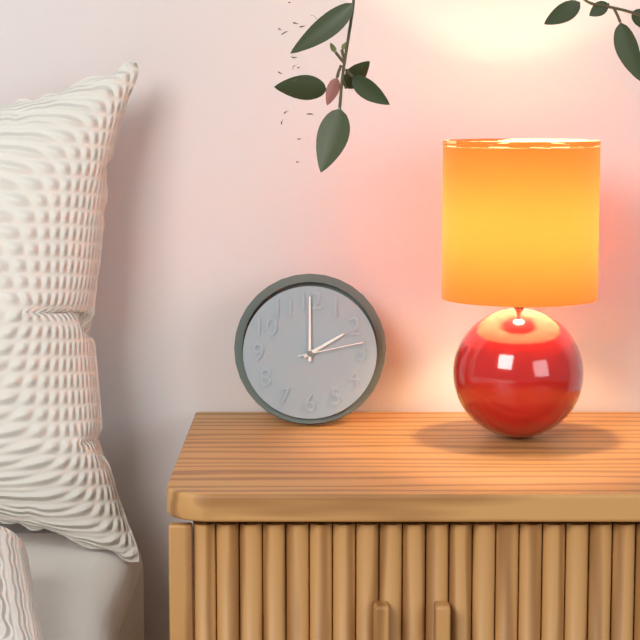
h=2 m=0 s=13
